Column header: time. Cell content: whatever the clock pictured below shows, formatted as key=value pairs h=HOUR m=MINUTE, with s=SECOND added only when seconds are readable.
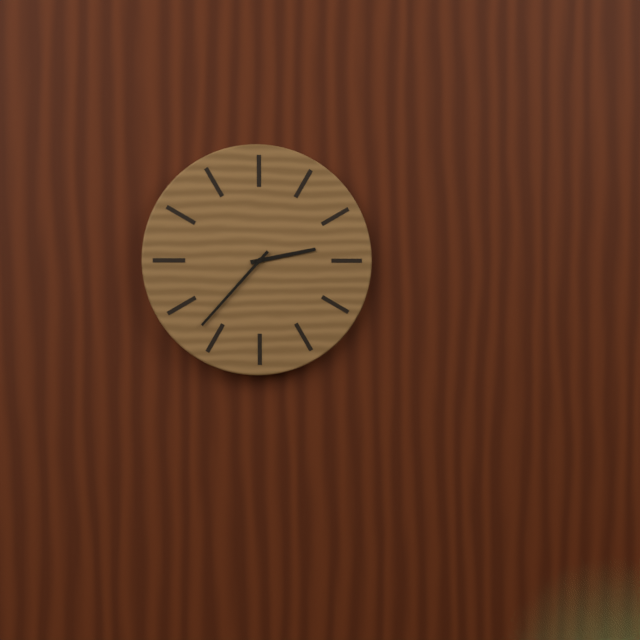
h=2 m=37
